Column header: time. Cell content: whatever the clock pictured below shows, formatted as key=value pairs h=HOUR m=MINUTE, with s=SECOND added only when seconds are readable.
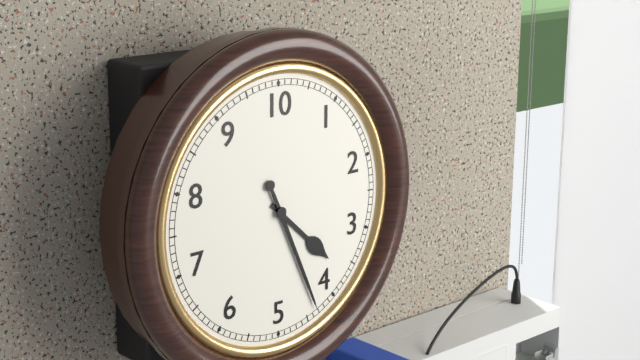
h=4 m=26
